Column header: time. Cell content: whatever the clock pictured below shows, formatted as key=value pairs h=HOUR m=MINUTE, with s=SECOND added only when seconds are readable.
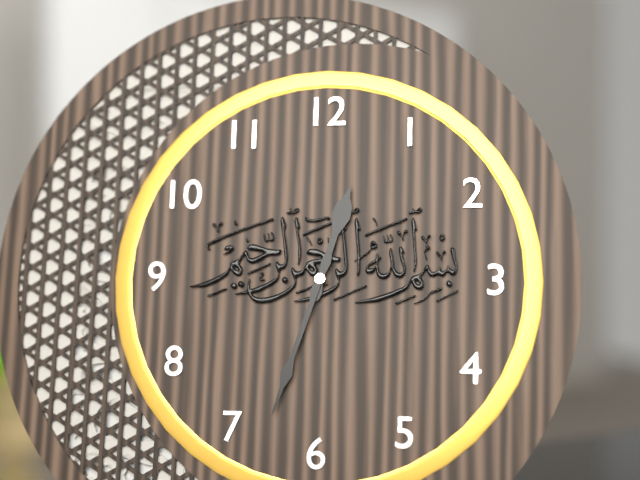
h=12 m=33
